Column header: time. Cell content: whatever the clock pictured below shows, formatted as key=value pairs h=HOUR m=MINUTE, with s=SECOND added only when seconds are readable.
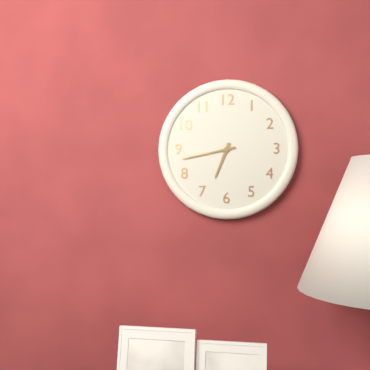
h=6 m=43
